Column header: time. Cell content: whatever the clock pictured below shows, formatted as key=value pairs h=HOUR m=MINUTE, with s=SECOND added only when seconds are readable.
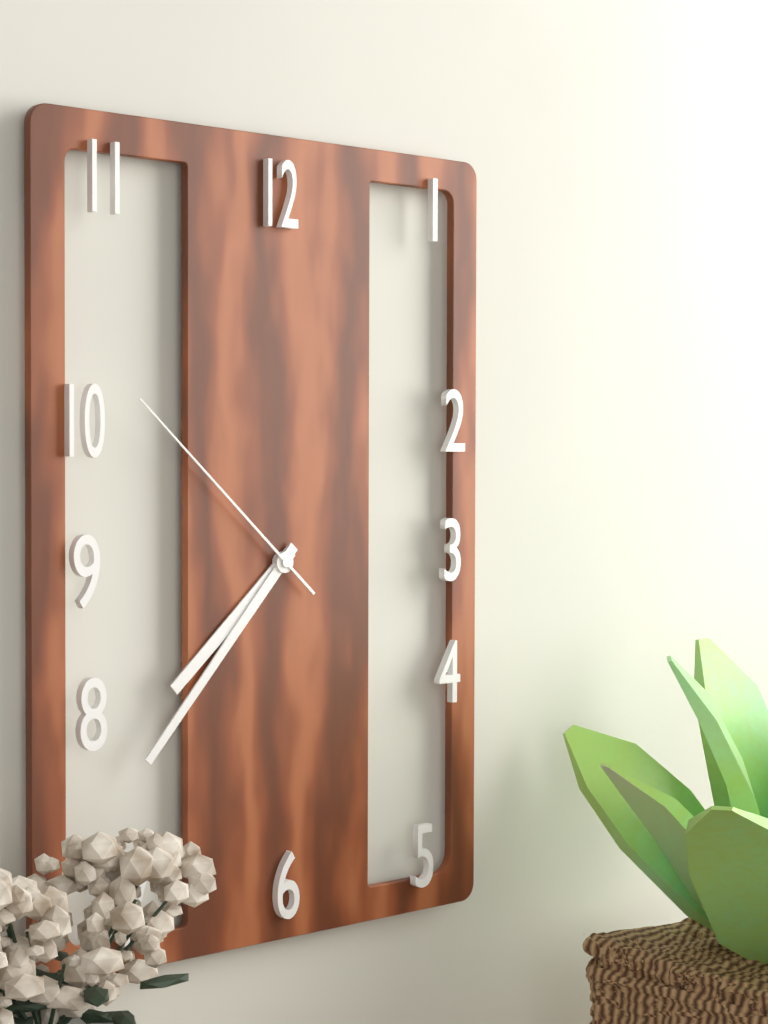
h=7 m=37 s=52
